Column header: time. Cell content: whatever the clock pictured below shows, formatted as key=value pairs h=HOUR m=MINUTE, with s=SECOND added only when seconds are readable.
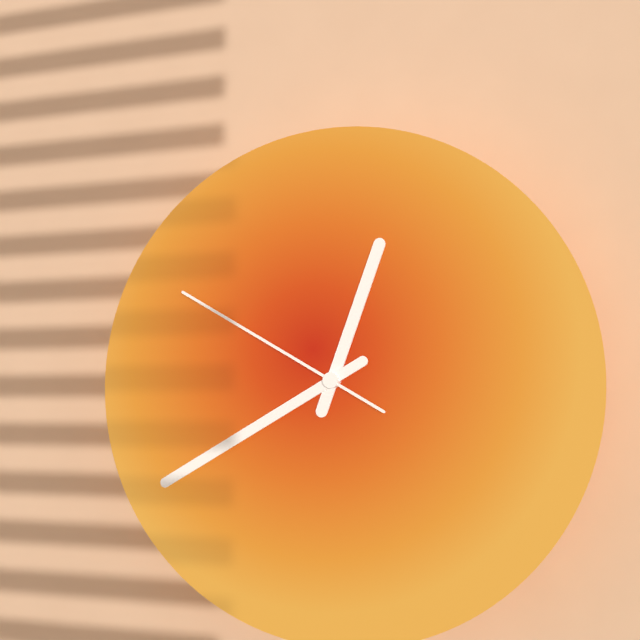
h=12 m=40 s=50
